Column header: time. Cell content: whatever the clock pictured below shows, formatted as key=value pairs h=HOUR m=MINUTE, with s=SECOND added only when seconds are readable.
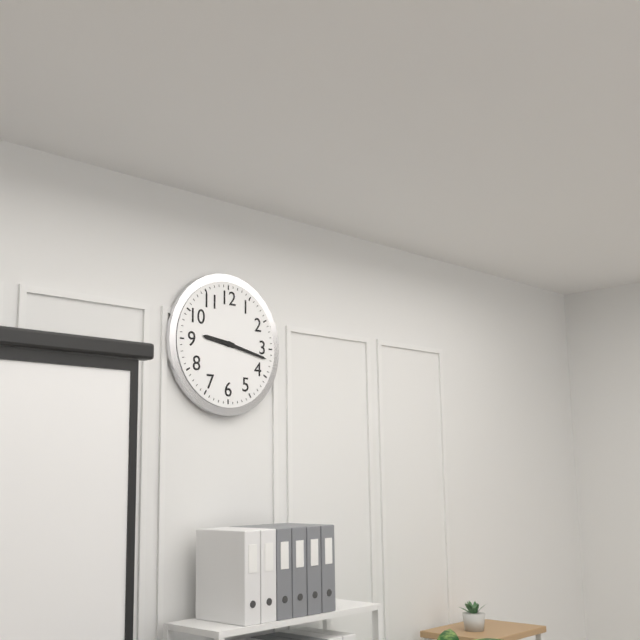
h=9 m=17
